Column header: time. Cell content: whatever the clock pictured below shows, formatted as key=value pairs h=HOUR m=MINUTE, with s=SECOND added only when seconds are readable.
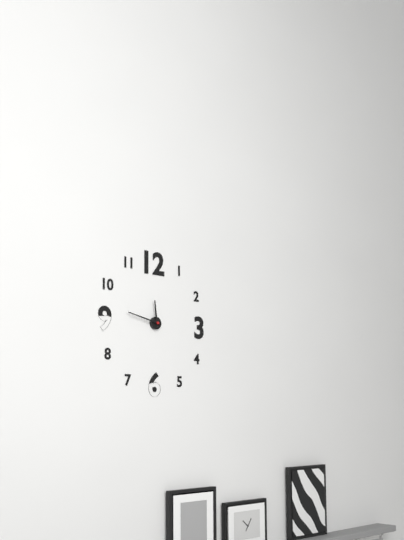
h=11 m=47
